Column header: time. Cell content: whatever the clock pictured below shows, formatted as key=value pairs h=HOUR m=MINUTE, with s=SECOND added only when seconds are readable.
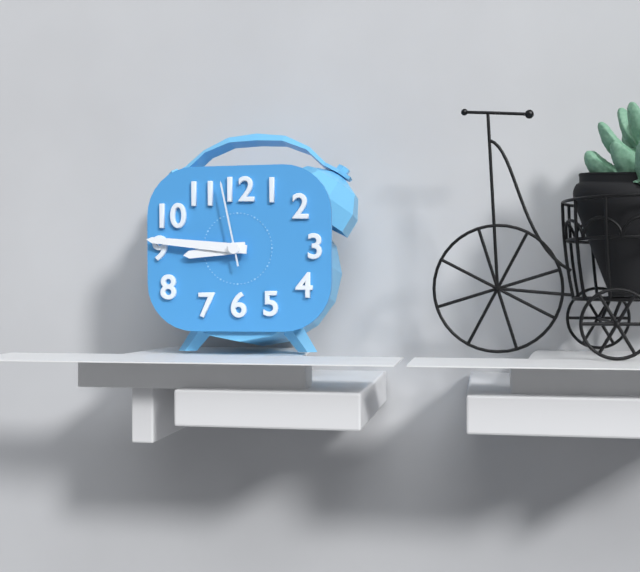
h=8 m=46 s=58
